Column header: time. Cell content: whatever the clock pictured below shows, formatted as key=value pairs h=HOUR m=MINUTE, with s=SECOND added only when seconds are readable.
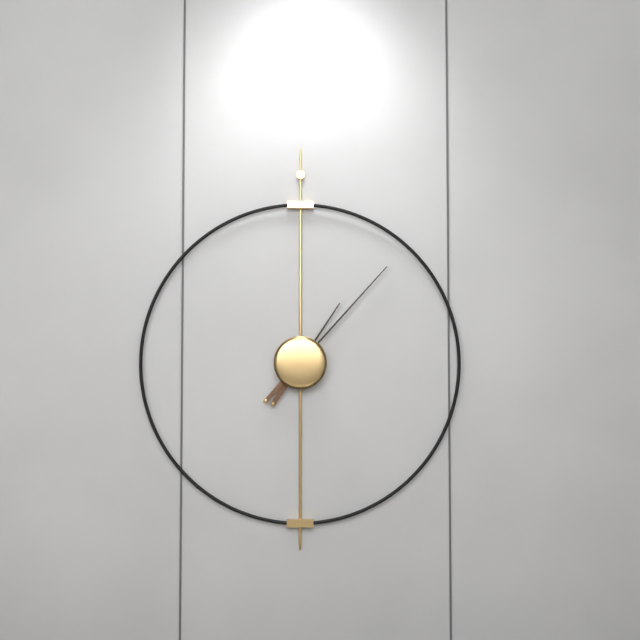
h=1 m=7
